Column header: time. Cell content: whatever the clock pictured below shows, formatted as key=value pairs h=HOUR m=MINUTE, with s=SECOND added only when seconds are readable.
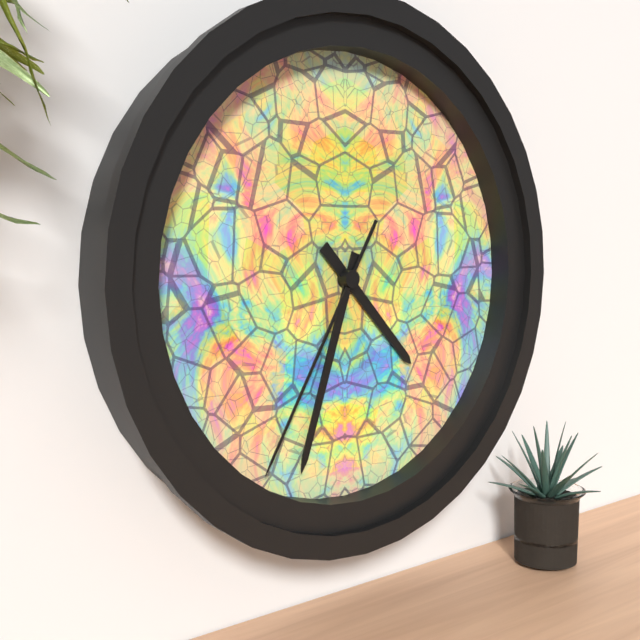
h=4 m=33 s=35
